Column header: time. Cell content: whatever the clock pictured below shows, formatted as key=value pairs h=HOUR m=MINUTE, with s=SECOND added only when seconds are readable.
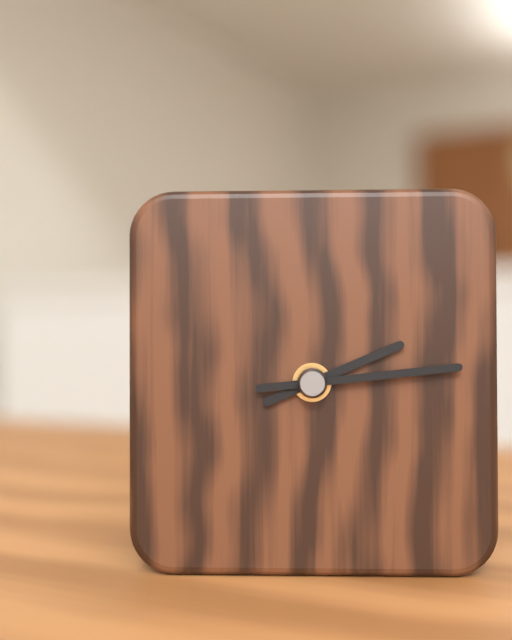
h=2 m=14
